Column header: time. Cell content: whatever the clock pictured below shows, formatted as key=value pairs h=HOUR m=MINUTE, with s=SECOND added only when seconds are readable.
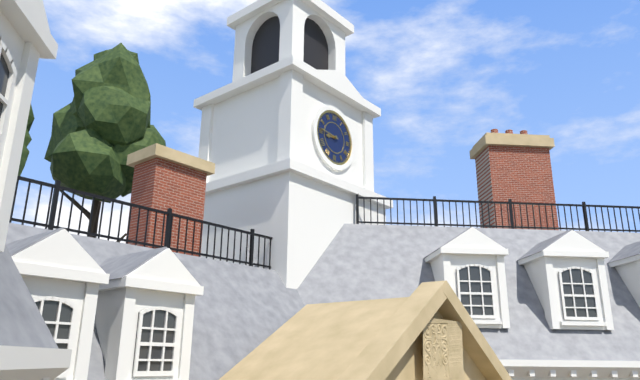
h=8 m=46
